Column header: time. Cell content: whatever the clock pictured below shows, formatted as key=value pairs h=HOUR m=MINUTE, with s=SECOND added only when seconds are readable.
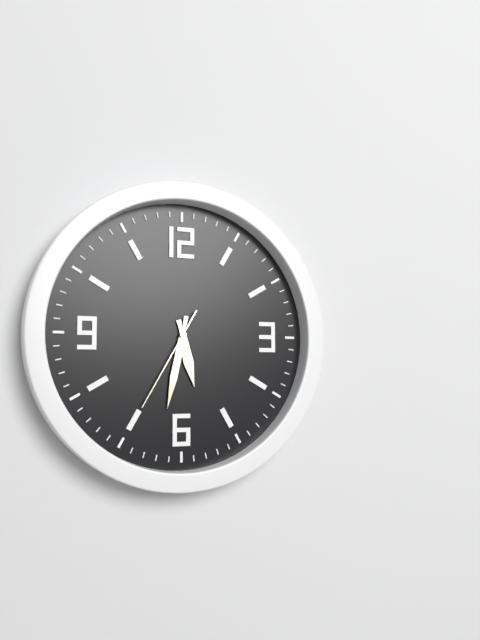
h=5 m=32 s=35
